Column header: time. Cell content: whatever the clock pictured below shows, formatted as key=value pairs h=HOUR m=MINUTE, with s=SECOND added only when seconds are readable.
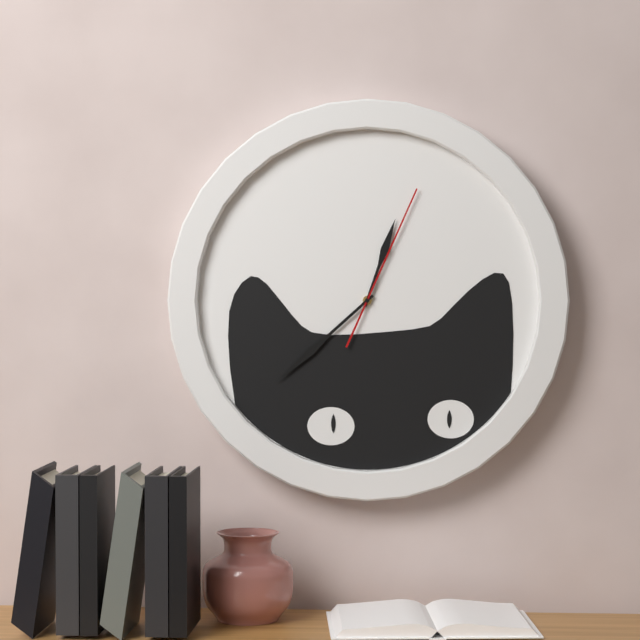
h=12 m=38 s=4
